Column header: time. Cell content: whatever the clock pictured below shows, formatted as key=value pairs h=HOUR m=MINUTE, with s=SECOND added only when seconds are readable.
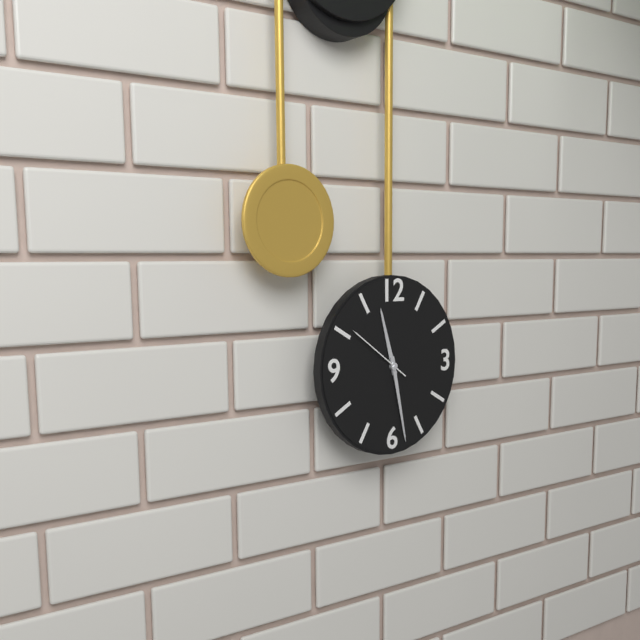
h=11 m=28 s=51
